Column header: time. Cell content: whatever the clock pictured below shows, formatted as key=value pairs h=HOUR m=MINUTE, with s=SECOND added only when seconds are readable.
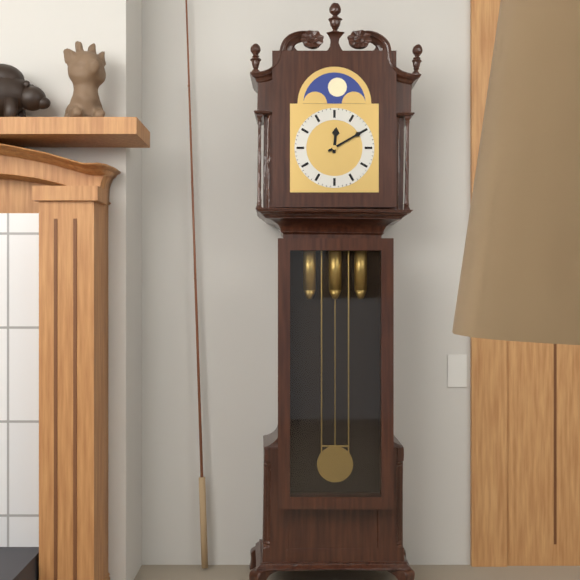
h=12 m=10
